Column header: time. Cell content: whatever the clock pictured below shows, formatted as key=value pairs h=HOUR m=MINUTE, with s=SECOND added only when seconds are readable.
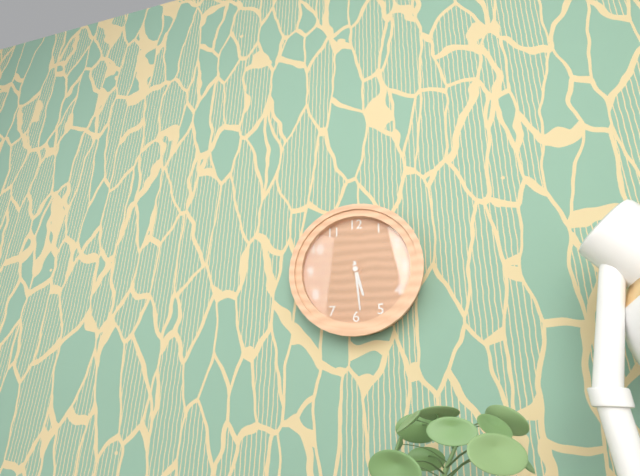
h=5 m=29
